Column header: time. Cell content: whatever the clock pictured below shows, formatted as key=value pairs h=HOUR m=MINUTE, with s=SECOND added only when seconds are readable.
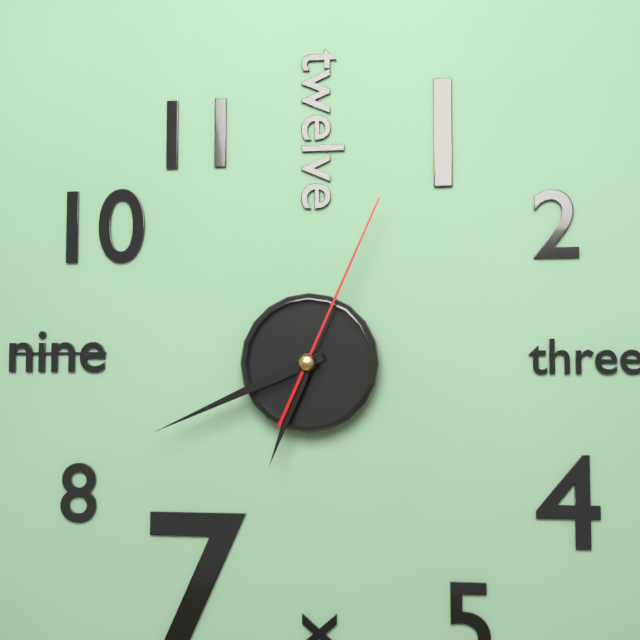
h=6 m=41 s=4
